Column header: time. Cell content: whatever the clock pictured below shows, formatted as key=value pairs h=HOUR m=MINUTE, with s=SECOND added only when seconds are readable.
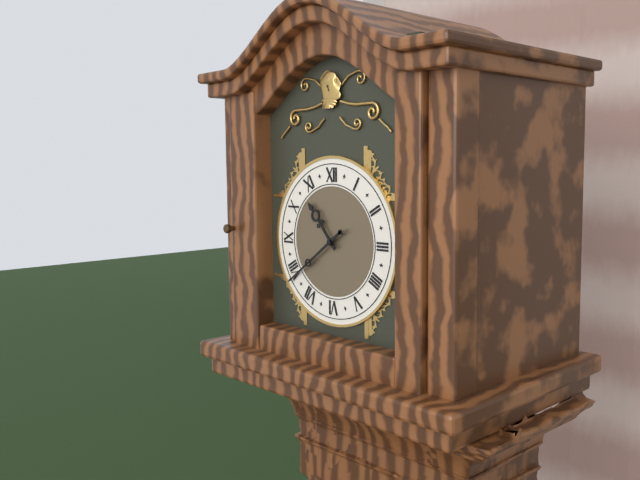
h=10 m=39
